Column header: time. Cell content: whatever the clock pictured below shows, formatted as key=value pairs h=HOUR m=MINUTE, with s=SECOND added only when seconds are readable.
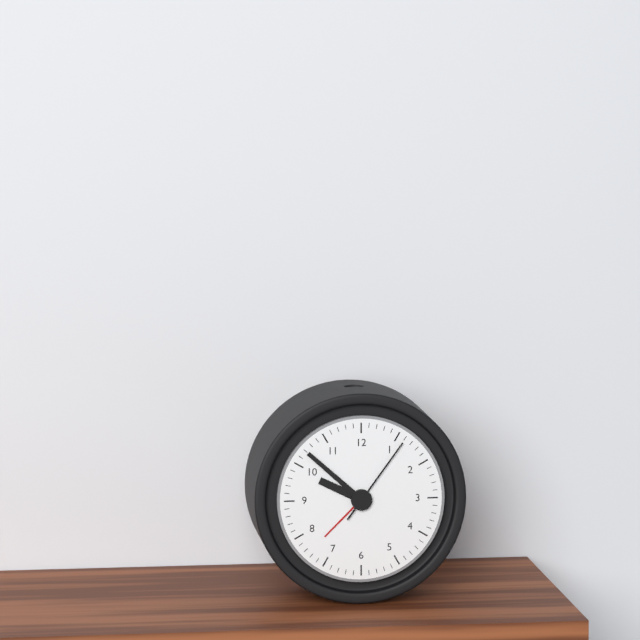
h=9 m=52 s=6
